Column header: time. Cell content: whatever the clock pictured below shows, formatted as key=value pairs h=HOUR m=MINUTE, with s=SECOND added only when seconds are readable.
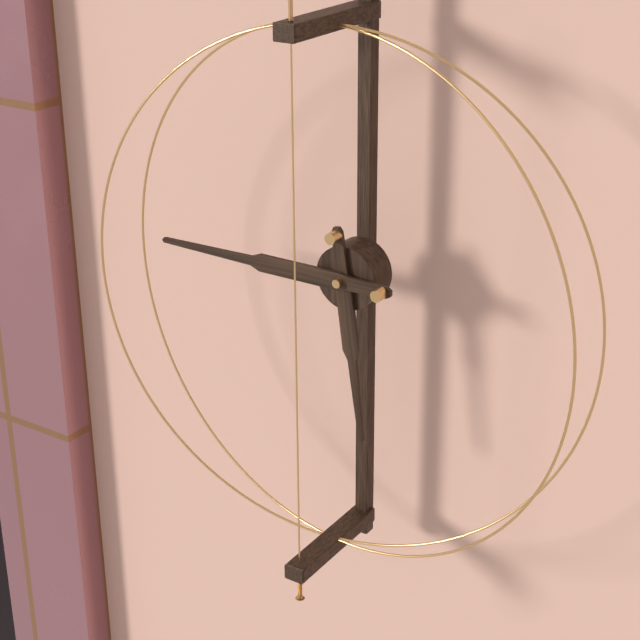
h=5 m=45
